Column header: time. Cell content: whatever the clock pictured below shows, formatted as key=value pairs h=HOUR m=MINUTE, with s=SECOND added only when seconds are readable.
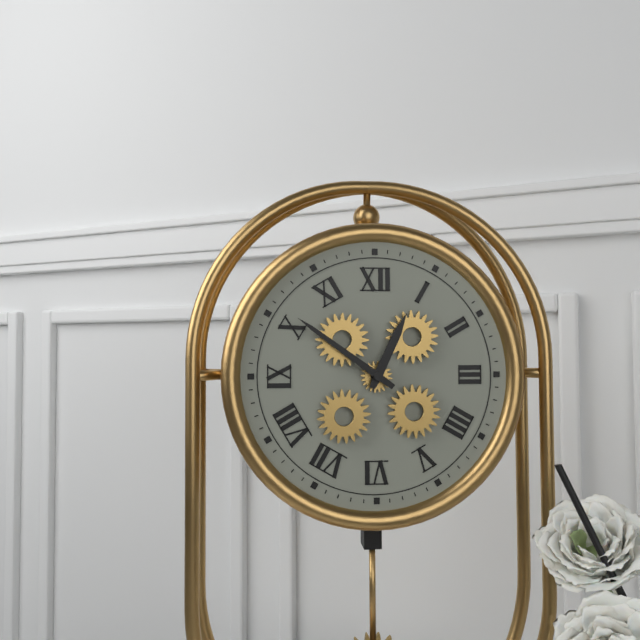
h=12 m=51
